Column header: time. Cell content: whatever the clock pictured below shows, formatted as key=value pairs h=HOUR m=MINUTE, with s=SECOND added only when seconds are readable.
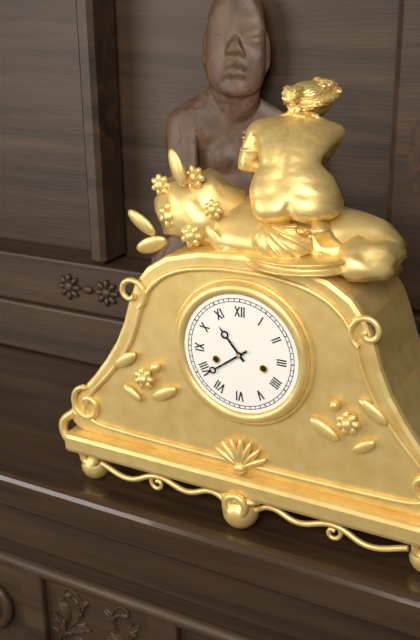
h=10 m=39
